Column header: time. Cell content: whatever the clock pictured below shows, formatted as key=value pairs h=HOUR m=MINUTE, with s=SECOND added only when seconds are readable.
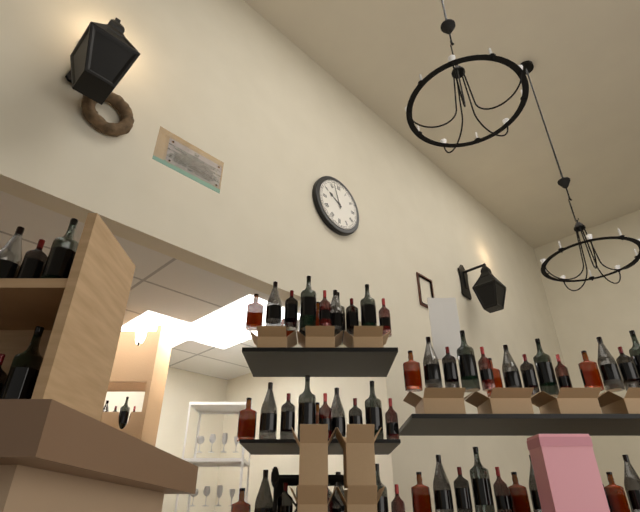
h=9 m=57
